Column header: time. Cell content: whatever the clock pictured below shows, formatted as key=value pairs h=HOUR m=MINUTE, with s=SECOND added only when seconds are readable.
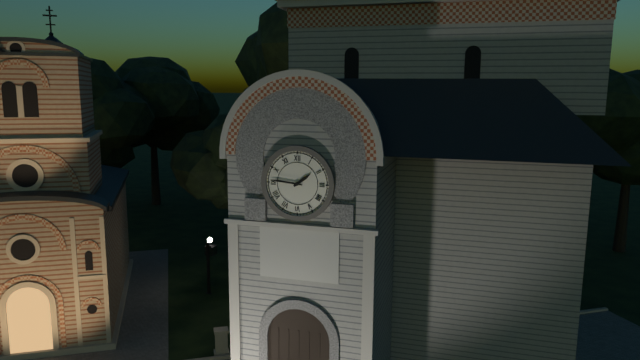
h=1 m=46
